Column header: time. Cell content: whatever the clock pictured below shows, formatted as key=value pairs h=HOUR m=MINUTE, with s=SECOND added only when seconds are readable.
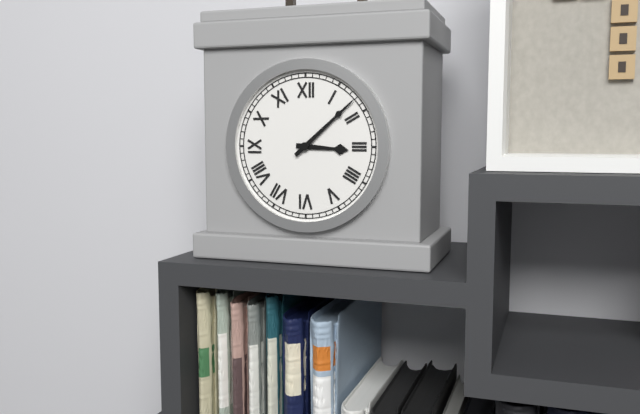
h=3 m=8
